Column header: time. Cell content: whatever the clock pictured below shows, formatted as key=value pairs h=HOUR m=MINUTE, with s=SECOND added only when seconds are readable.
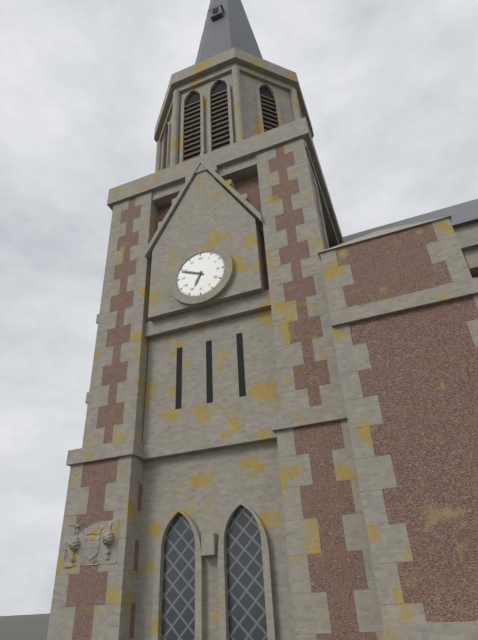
h=6 m=49
